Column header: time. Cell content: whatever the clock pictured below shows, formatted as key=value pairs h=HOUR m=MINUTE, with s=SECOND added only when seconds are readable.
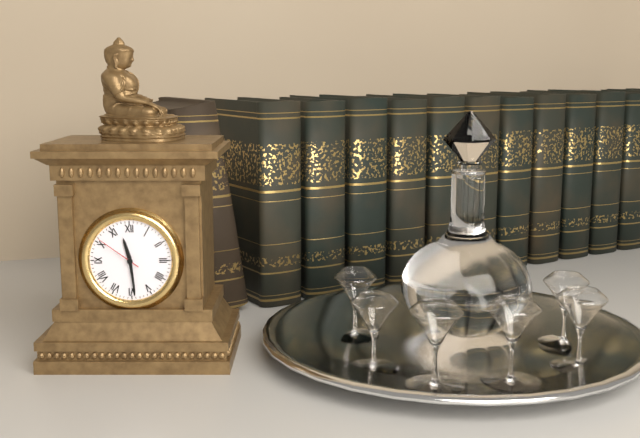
h=11 m=29
